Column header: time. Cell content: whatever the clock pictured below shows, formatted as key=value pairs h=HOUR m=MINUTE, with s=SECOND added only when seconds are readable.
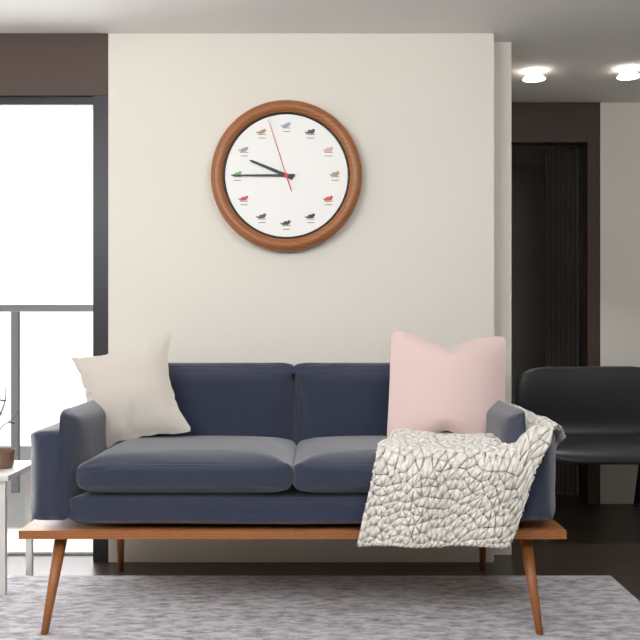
h=9 m=45 s=57
